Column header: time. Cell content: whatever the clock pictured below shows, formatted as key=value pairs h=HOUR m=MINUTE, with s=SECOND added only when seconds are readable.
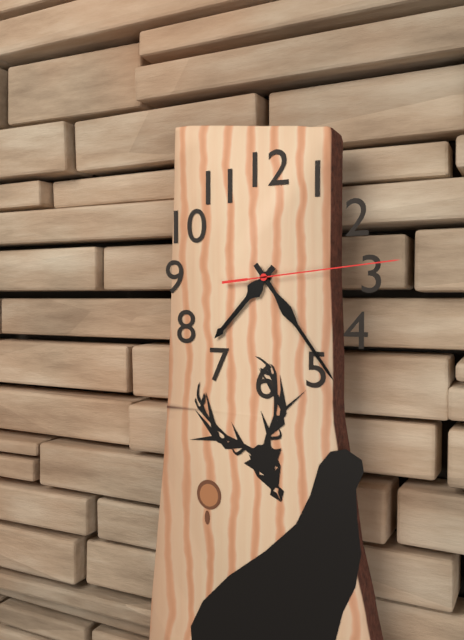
h=7 m=24 s=14
